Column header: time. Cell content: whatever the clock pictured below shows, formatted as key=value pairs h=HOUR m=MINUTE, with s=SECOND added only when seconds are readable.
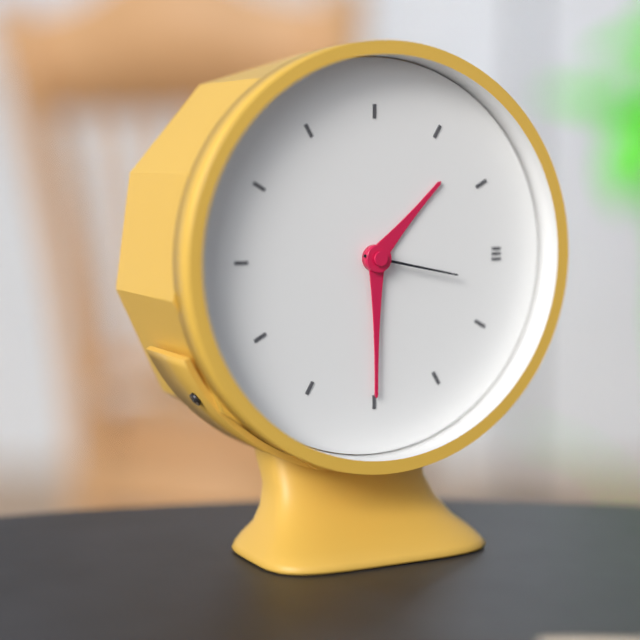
h=1 m=30 s=17
